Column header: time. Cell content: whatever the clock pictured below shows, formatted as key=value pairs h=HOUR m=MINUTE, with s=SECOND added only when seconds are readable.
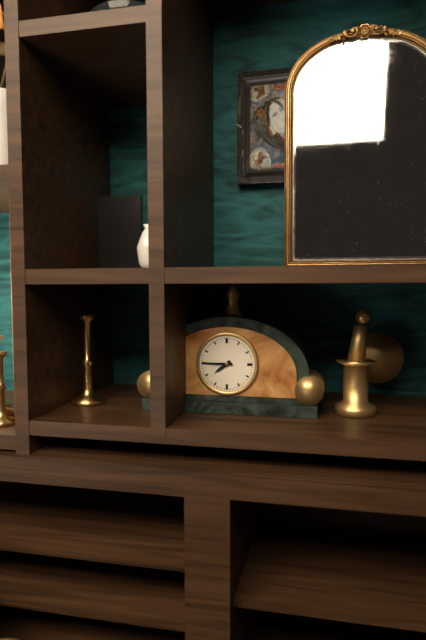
h=7 m=45
